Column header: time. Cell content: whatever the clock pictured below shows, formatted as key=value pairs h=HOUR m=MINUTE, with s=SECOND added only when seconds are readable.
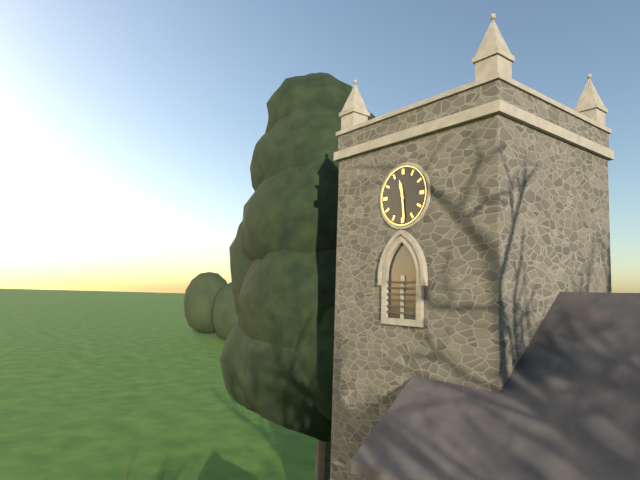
h=11 m=29
